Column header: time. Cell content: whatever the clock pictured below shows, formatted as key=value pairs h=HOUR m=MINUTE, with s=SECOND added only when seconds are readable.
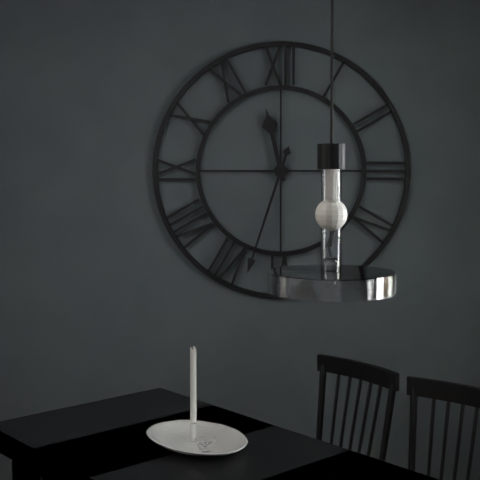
h=11 m=33
